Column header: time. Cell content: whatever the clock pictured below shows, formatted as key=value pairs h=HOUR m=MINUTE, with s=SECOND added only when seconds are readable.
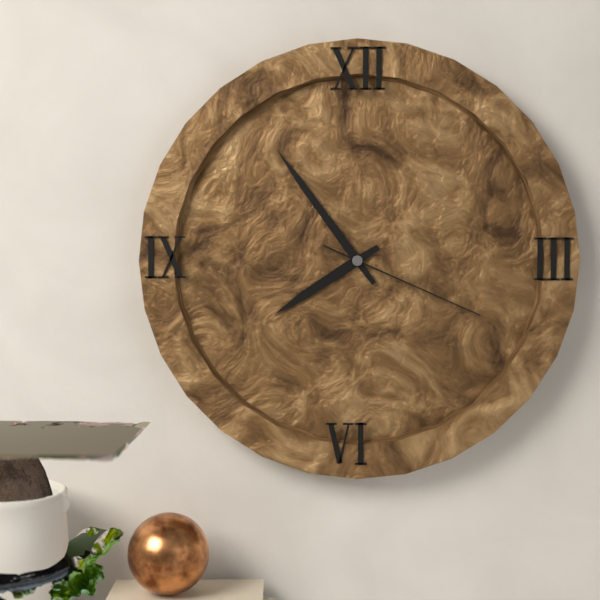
h=7 m=54 s=19
